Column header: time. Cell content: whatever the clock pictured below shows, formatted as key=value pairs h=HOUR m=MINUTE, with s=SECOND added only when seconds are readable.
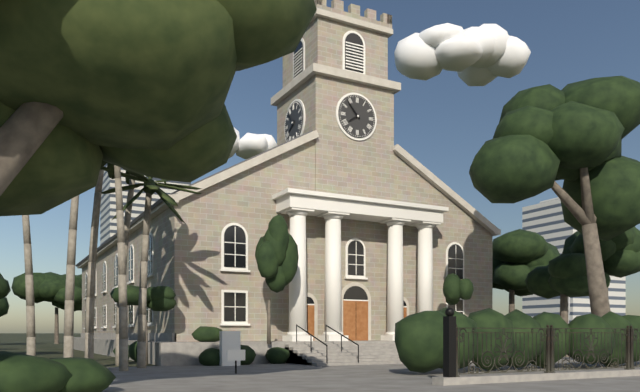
h=7 m=53
